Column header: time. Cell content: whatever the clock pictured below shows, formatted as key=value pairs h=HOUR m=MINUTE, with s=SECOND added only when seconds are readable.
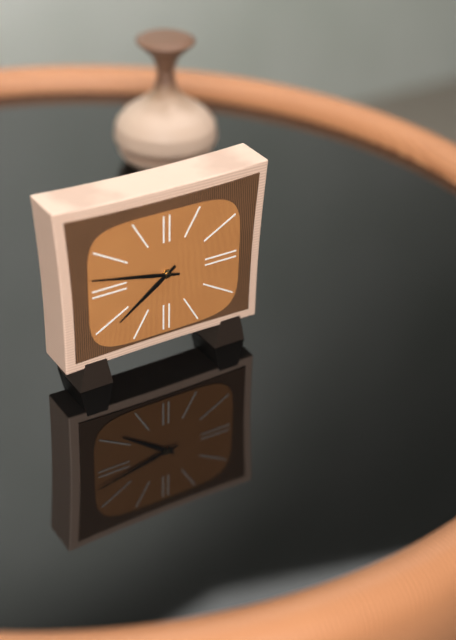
h=7 m=47
